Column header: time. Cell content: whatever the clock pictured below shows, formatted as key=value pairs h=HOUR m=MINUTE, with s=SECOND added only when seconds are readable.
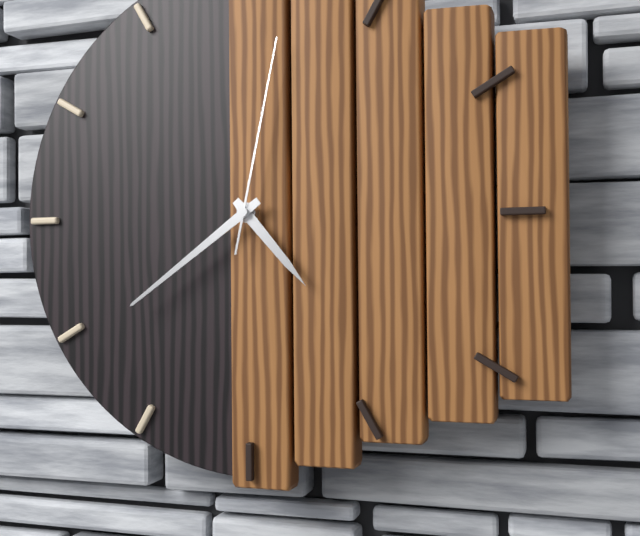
h=4 m=39 s=2
